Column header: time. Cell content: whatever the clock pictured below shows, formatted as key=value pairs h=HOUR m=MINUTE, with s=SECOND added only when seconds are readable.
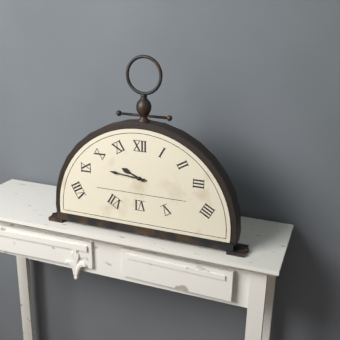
h=9 m=46
